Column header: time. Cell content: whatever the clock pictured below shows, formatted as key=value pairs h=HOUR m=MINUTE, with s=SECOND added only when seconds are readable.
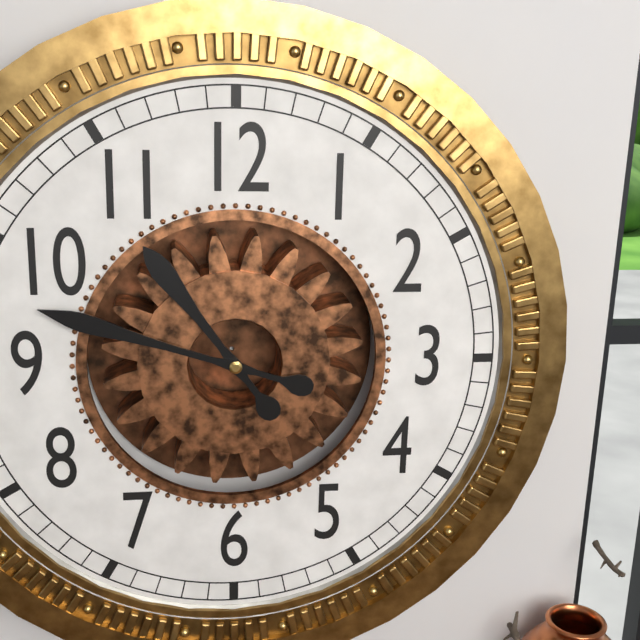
h=10 m=48
